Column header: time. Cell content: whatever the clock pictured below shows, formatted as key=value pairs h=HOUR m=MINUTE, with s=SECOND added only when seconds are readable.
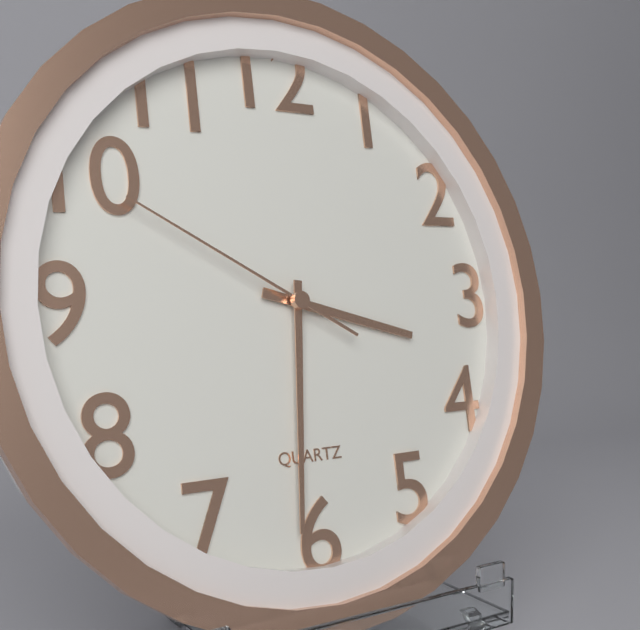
h=3 m=31 s=50
